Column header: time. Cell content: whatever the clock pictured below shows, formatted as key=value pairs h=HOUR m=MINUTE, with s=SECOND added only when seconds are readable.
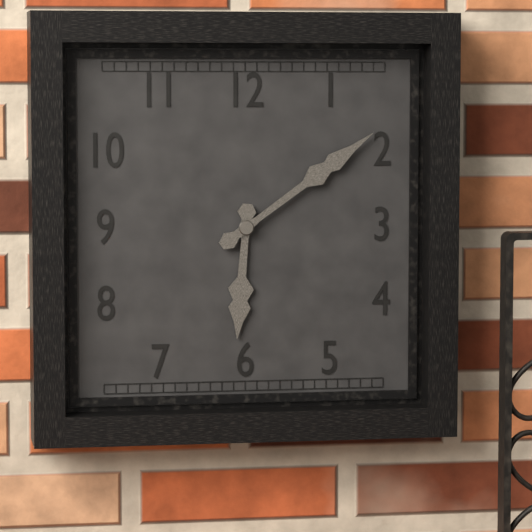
h=6 m=9
